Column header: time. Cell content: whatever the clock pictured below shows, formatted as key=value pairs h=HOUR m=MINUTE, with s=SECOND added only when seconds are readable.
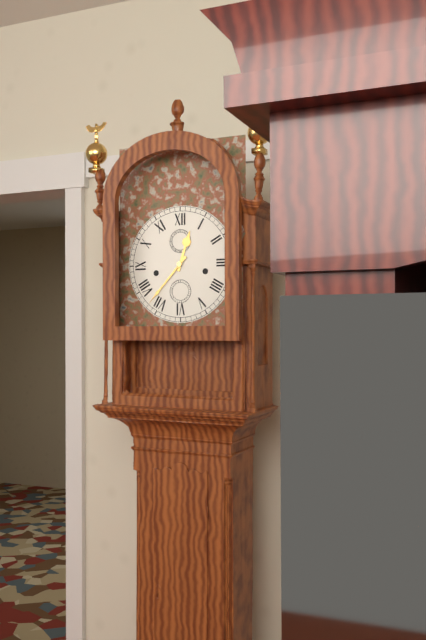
h=12 m=37
